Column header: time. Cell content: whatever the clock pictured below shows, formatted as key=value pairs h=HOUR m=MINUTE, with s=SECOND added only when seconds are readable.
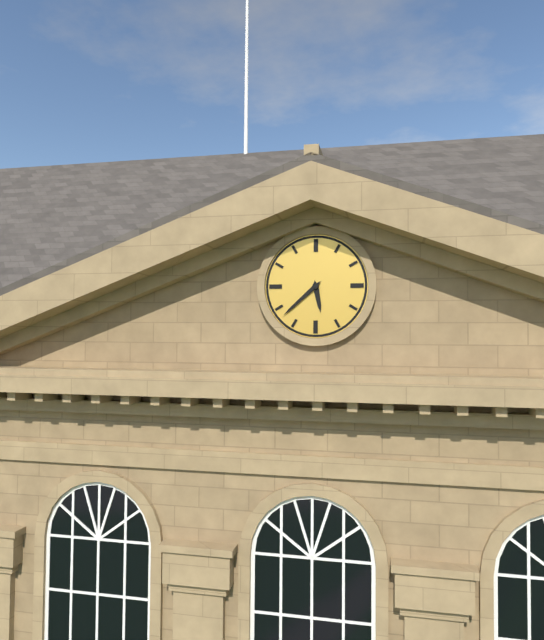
h=5 m=38
